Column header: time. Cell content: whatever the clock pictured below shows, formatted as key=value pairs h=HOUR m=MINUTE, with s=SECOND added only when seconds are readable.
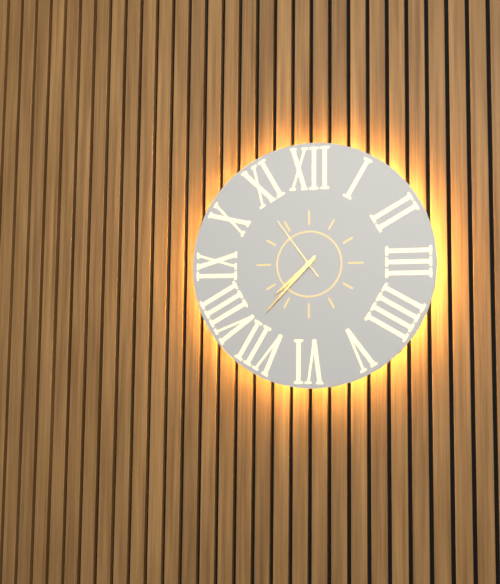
h=7 m=37 s=54
